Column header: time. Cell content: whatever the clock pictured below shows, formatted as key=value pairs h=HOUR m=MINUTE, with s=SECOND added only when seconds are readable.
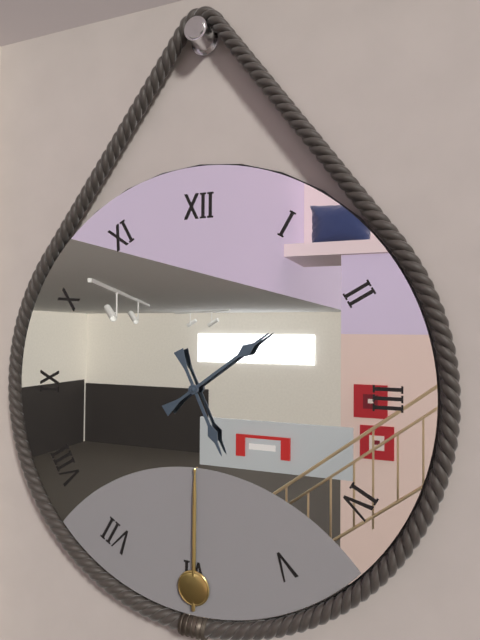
h=5 m=9
